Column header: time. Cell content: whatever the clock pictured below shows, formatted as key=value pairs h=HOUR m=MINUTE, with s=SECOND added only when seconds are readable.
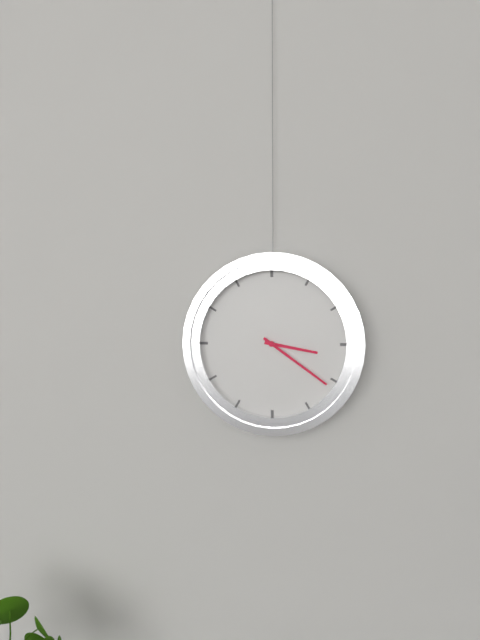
h=3 m=21
